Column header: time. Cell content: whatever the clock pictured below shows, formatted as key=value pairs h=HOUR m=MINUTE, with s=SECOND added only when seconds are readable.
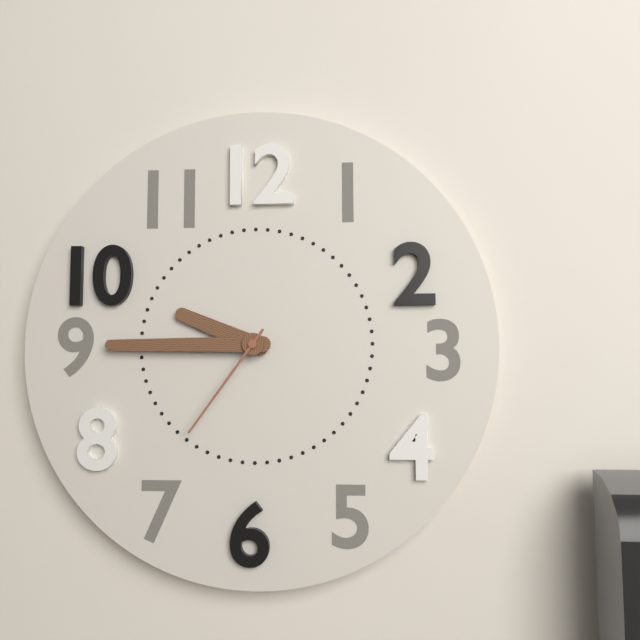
h=9 m=45 s=36
